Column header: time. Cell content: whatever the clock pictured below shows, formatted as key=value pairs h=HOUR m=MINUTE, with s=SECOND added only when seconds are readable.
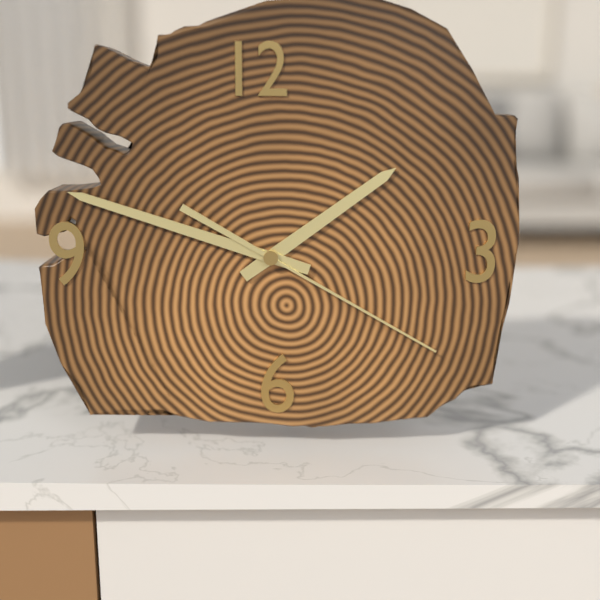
h=1 m=48 s=20
